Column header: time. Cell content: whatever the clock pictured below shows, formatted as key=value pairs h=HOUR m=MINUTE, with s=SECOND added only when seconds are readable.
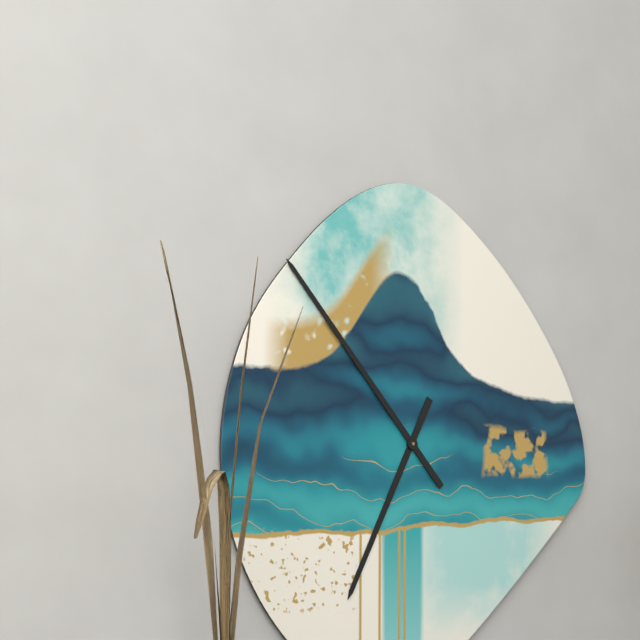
h=6 m=53
